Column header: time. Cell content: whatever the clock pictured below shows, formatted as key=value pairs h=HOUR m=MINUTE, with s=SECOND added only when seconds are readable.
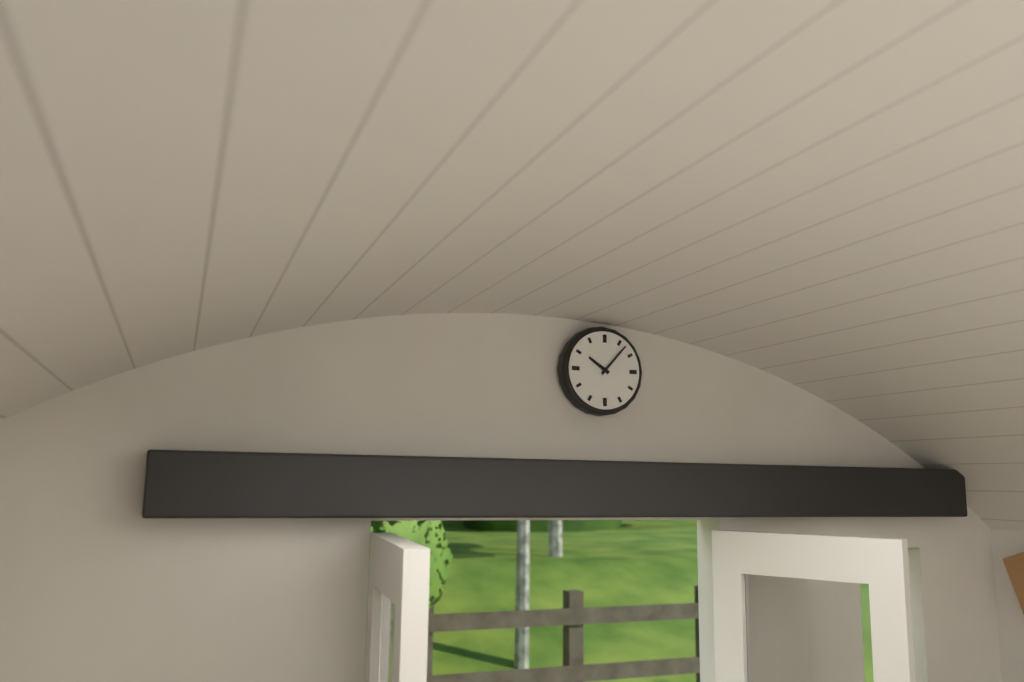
h=10 m=7
